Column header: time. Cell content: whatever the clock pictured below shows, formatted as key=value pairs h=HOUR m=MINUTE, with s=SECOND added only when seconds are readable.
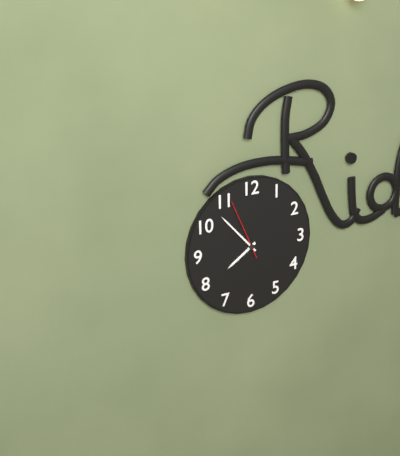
h=7 m=53 s=56
